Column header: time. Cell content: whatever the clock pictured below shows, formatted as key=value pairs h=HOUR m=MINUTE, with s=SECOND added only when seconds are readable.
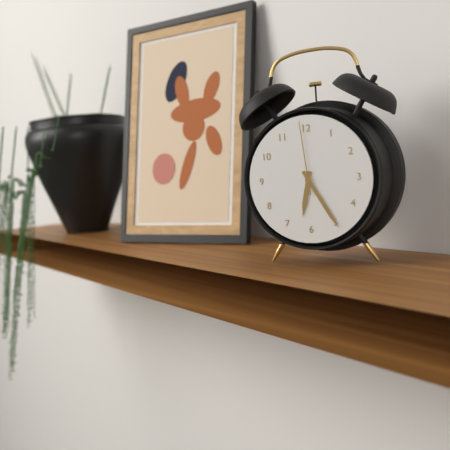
h=6 m=25 s=59
